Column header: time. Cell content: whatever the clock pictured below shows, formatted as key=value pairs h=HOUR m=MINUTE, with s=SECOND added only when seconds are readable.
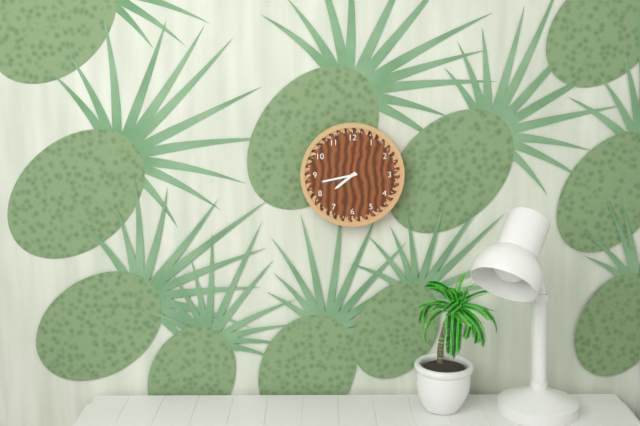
h=7 m=43
